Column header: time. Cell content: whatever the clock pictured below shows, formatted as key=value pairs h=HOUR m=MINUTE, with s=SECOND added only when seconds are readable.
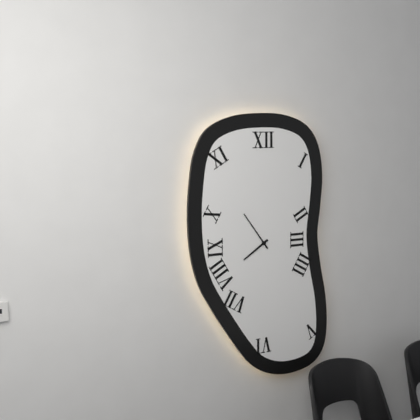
h=7 m=54
